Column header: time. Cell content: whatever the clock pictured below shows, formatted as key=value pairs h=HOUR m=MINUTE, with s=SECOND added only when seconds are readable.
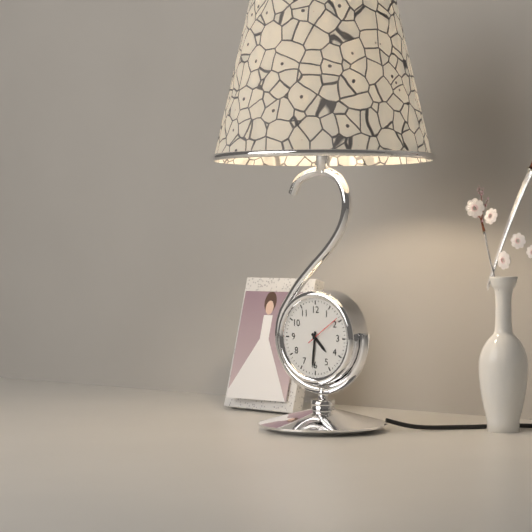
h=4 m=31
